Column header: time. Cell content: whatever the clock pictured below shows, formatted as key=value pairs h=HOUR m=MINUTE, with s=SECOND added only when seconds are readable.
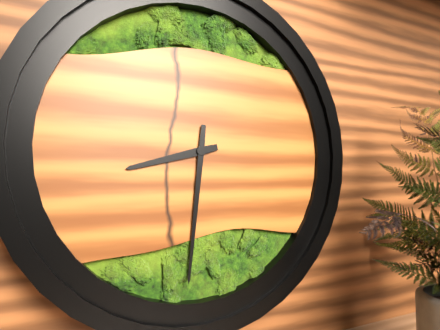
h=8 m=31
